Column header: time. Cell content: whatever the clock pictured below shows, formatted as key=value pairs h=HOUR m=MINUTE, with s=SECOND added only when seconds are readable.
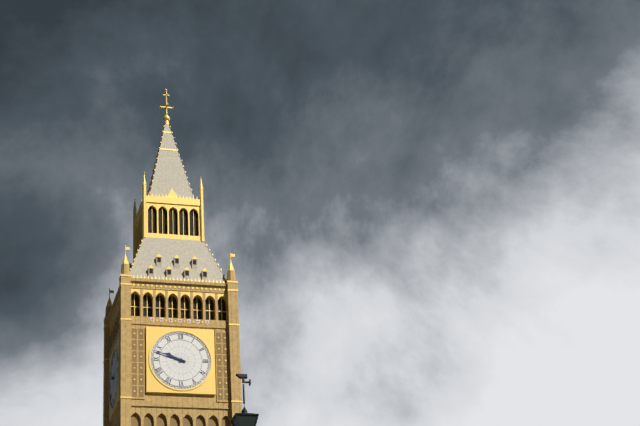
h=9 m=48
